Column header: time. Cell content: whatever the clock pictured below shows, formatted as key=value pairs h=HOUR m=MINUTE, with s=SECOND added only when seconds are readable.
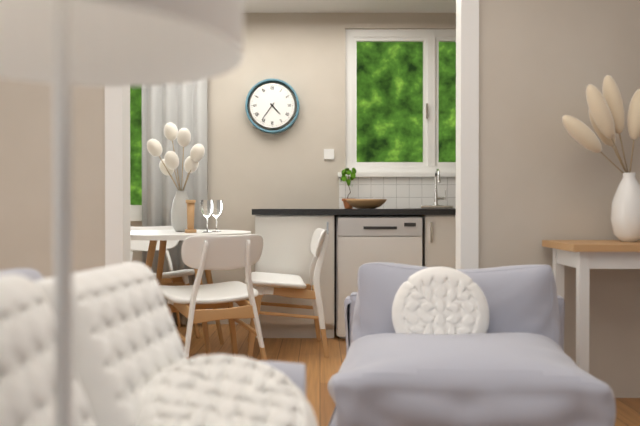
h=4 m=36
